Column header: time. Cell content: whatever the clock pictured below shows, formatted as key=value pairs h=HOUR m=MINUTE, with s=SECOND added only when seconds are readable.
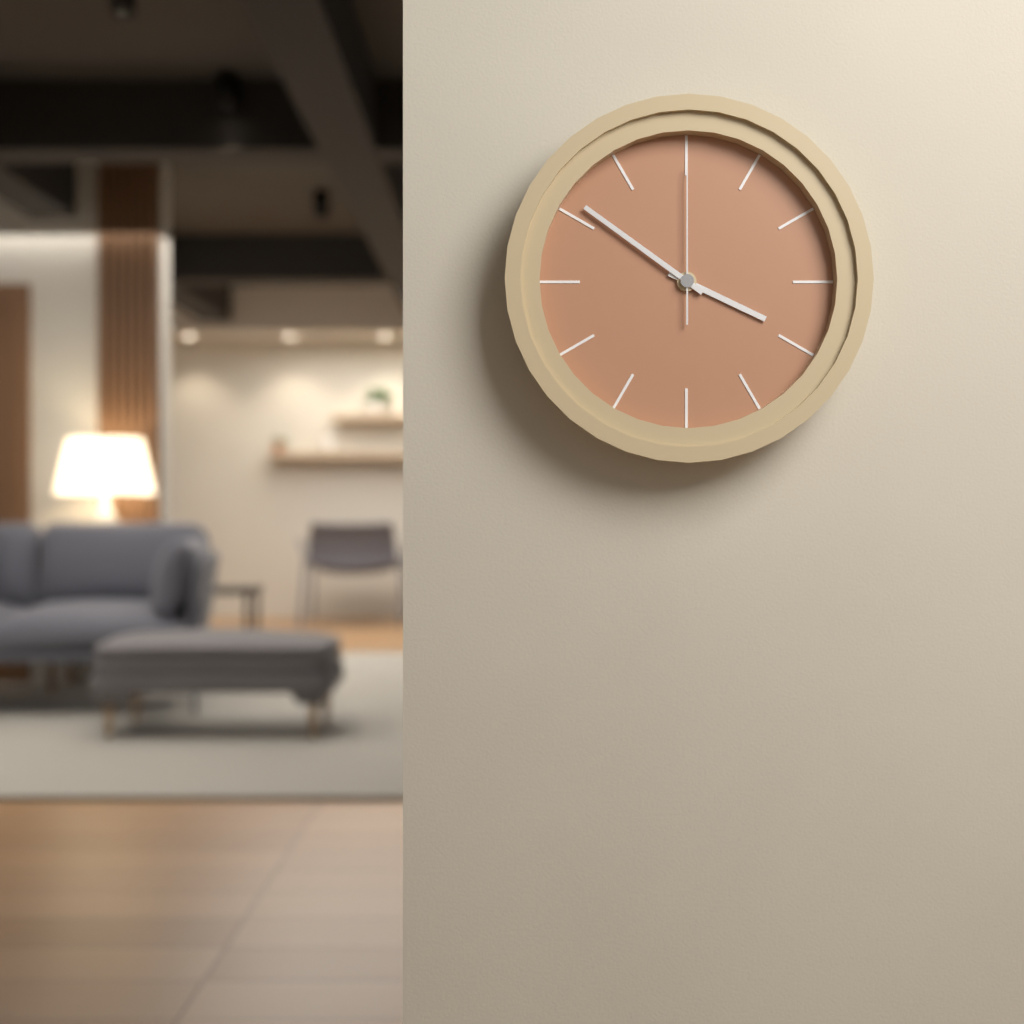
h=3 m=51 s=0
